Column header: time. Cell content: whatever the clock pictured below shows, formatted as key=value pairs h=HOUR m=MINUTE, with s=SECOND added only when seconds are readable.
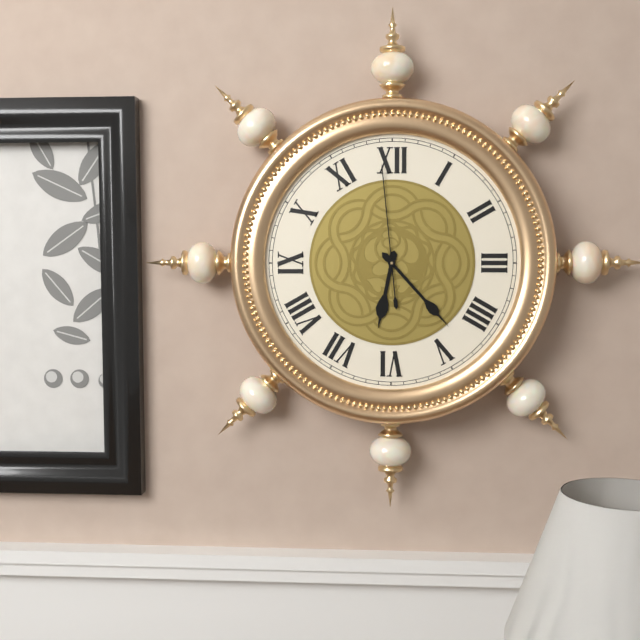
h=6 m=23 s=59
